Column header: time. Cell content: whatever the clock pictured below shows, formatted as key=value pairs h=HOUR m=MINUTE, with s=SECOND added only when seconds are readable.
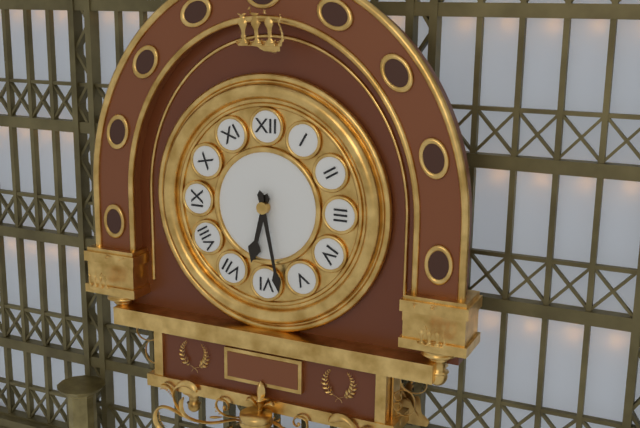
h=6 m=28
